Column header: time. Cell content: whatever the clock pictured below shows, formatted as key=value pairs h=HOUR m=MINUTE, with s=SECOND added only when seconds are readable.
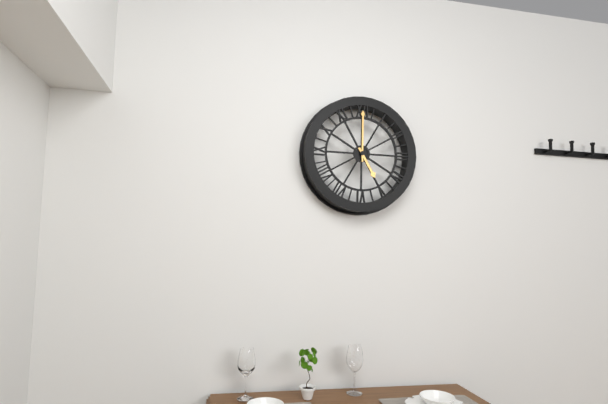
h=5 m=0
